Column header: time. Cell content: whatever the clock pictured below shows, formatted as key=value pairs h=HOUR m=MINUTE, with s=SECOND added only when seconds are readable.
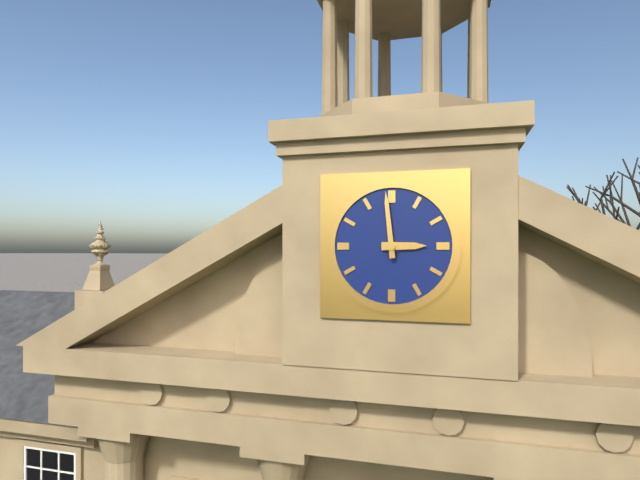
h=2 m=59
